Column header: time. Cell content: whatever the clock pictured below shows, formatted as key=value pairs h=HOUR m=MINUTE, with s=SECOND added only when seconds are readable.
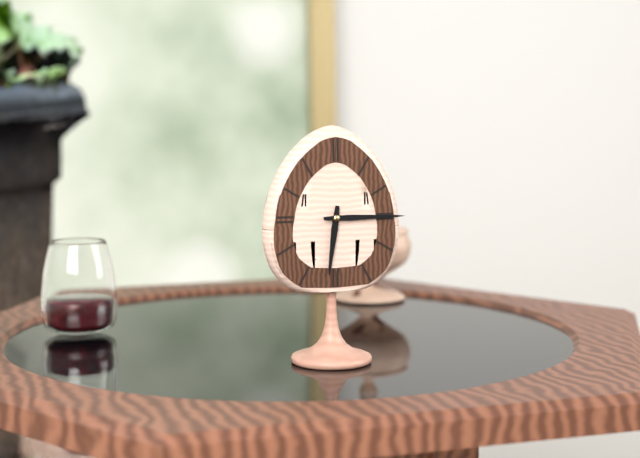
h=6 m=15
